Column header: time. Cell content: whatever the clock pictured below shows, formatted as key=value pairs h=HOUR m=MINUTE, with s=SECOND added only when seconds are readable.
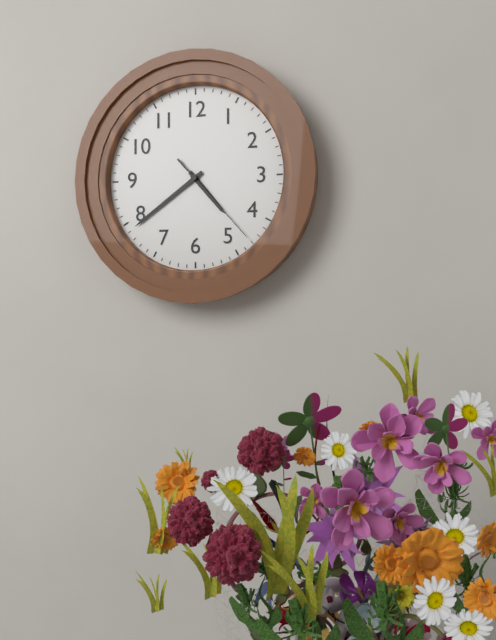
h=4 m=39 s=23
